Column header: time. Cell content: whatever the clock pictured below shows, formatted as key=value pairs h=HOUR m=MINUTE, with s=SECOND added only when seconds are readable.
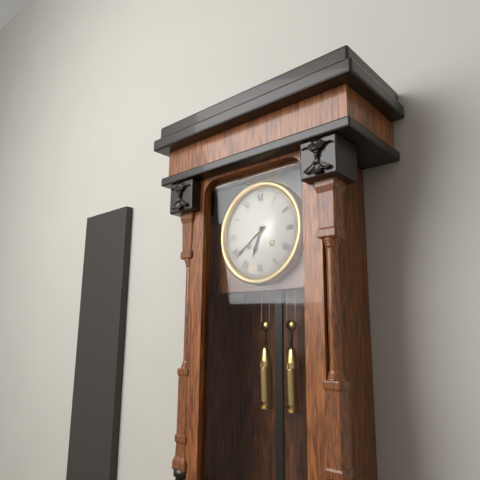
h=6 m=39
